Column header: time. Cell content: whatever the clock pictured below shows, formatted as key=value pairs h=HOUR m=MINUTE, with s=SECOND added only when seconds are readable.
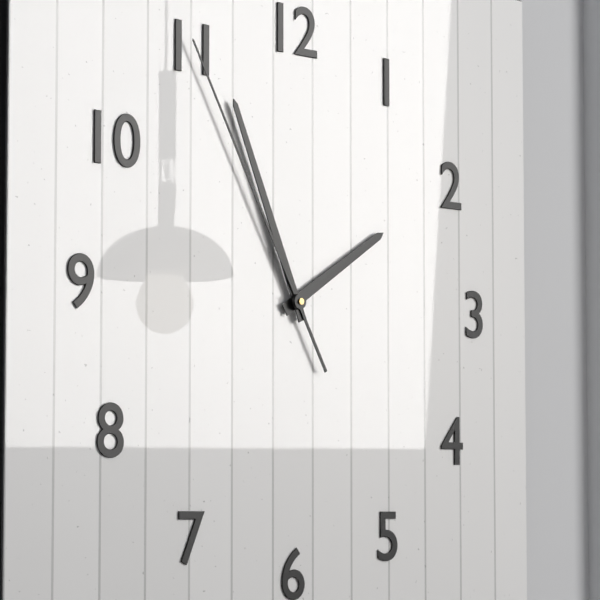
h=1 m=56 s=55
